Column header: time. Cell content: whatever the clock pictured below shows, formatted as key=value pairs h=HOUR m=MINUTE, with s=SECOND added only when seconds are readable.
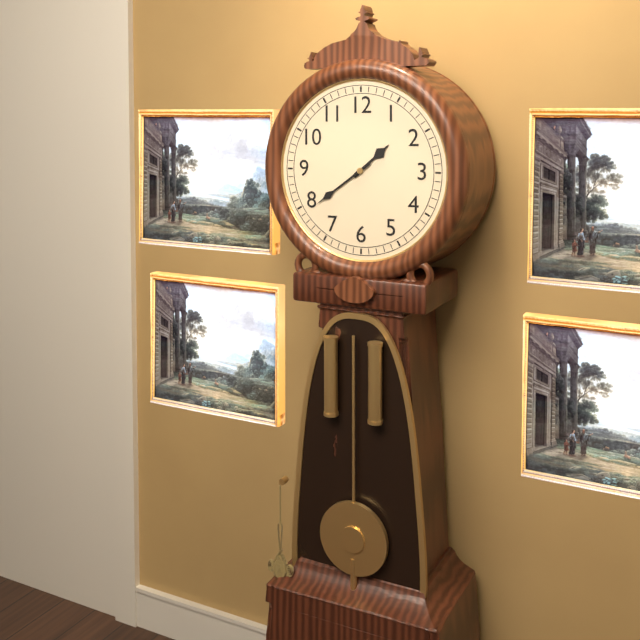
h=1 m=39
